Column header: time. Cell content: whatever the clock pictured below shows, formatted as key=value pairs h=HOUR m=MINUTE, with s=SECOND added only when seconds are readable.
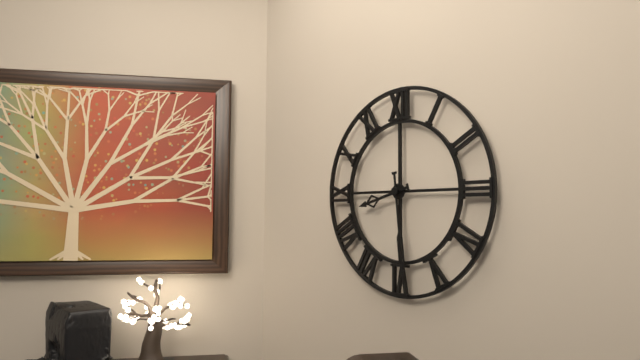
h=8 m=29
